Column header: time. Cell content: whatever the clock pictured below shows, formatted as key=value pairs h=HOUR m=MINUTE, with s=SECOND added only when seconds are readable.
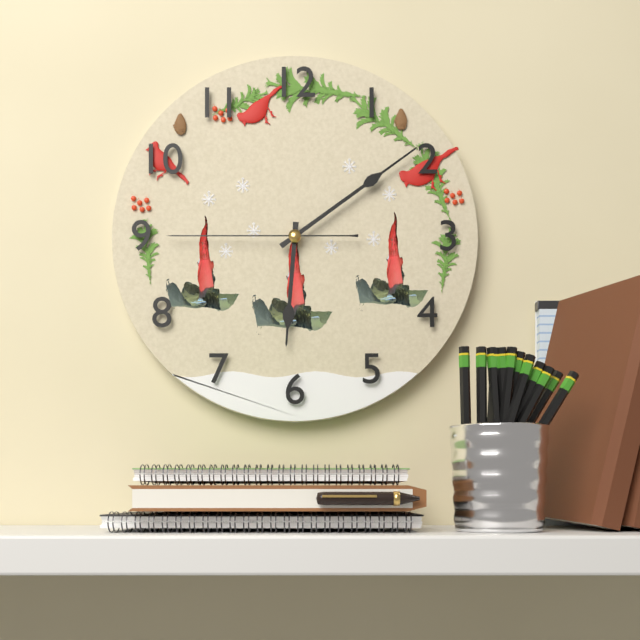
h=6 m=9 s=45
